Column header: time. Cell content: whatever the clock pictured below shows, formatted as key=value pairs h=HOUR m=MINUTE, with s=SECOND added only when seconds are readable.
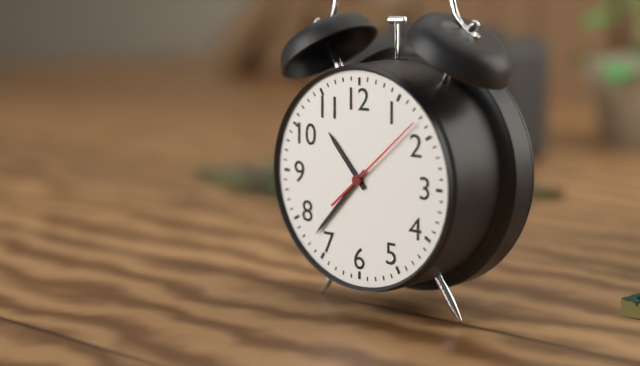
h=10 m=37 s=8
